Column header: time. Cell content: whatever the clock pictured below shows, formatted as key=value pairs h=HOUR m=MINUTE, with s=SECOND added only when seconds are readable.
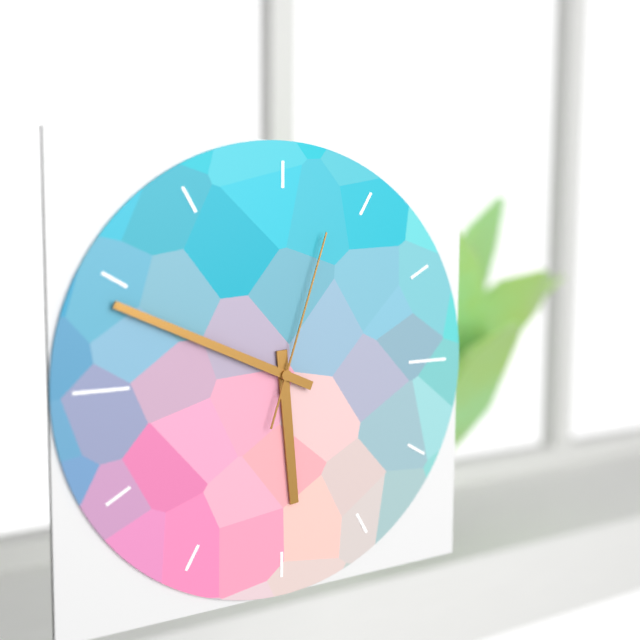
h=5 m=49 s=3
